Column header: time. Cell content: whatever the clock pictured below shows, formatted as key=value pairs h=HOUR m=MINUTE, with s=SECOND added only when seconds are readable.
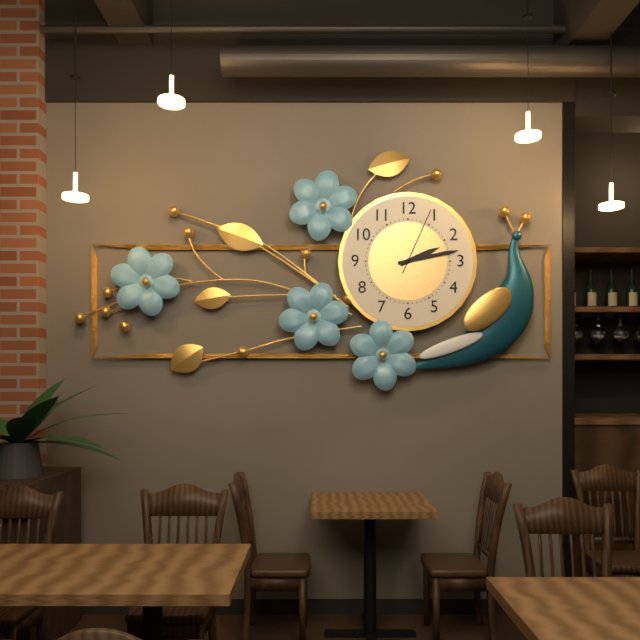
h=2 m=13 s=4
